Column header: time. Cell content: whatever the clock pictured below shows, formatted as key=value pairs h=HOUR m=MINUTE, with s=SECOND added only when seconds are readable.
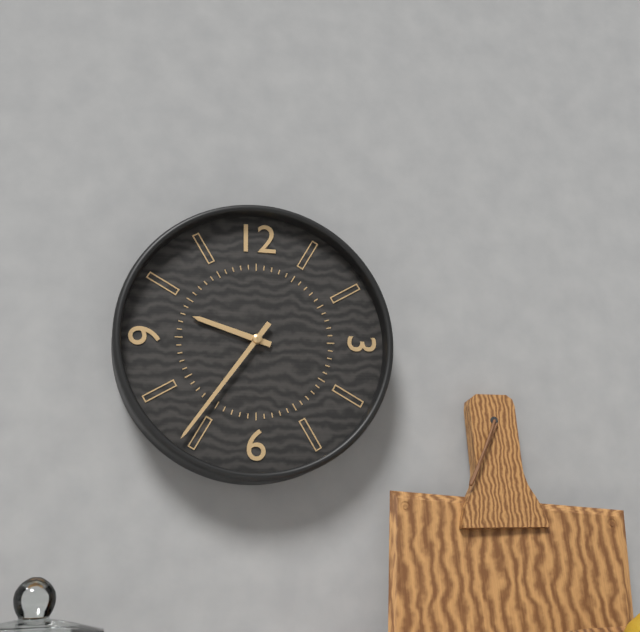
h=9 m=36
